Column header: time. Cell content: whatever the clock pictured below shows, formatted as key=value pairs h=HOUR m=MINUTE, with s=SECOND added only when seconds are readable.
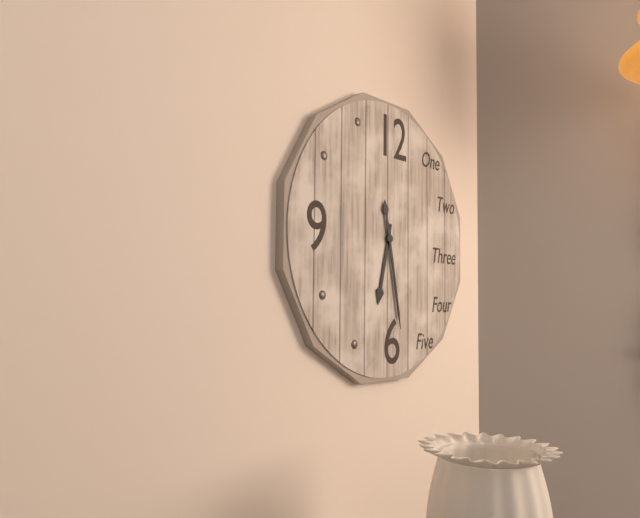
h=6 m=28
